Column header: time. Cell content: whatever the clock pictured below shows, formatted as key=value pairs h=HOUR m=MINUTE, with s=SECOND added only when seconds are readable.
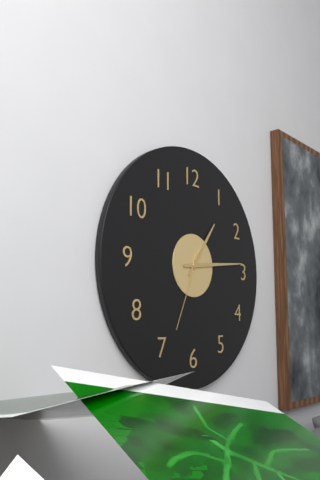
h=1 m=14 s=34
